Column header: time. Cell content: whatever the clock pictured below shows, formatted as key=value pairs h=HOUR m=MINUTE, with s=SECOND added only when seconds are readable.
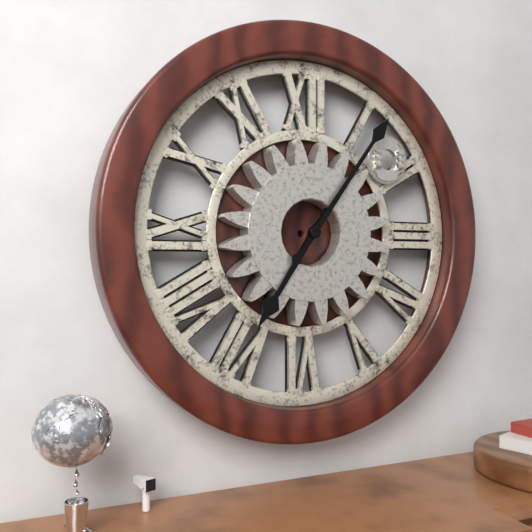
h=7 m=6
